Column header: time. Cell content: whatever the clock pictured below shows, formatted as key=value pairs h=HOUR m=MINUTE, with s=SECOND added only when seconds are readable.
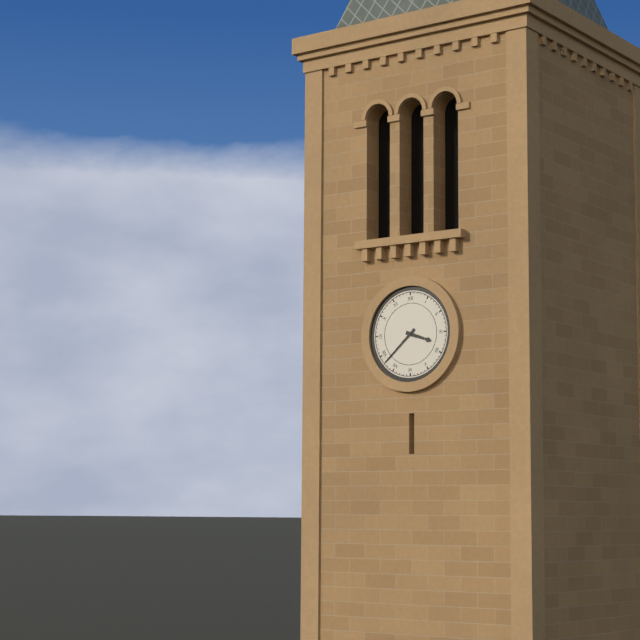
h=3 m=38
